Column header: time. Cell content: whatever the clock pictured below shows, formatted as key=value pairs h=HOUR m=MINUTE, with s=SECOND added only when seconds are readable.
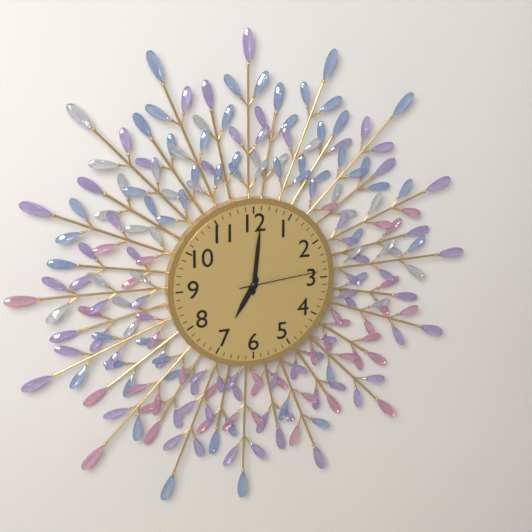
h=7 m=1 s=14
